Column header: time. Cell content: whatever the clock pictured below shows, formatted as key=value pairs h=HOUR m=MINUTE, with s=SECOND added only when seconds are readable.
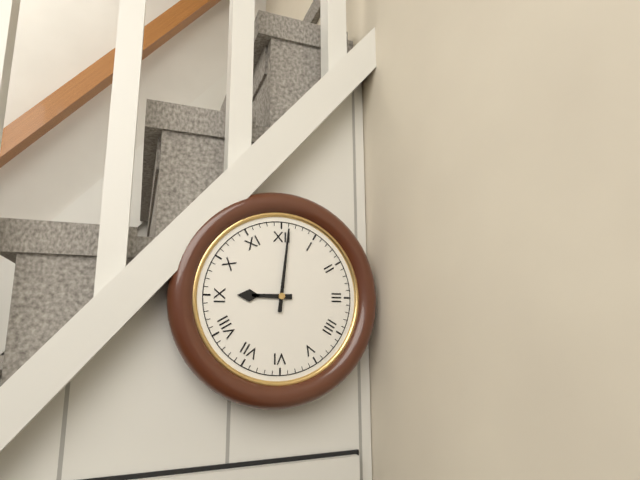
h=9 m=1
